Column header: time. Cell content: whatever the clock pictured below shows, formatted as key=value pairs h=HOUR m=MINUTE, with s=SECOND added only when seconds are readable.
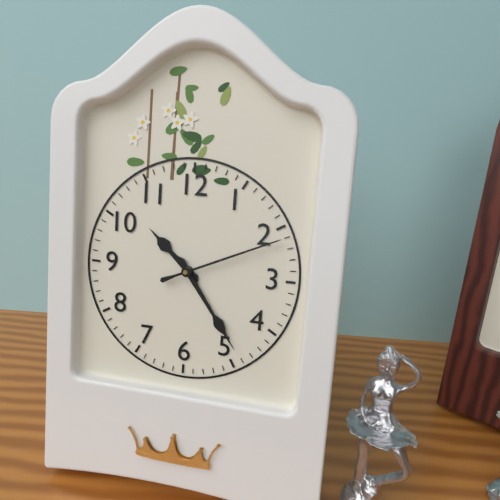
h=10 m=24 s=11
